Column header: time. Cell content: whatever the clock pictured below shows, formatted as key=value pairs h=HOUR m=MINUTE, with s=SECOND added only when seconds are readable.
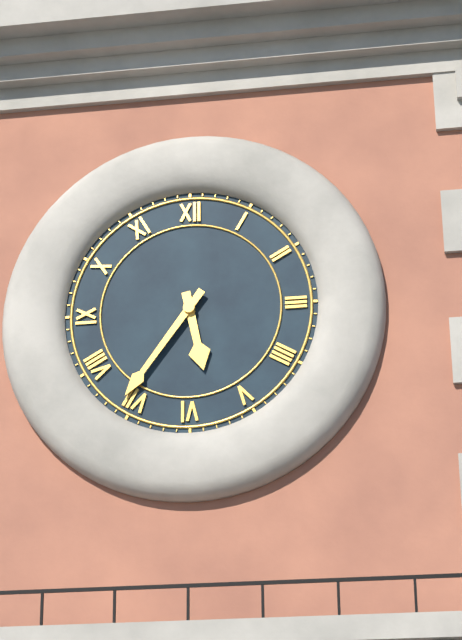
h=5 m=36
